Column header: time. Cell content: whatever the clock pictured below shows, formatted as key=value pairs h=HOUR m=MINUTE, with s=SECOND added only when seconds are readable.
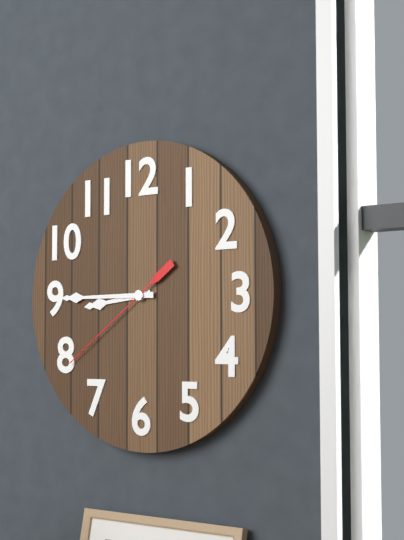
h=8 m=45 s=39
